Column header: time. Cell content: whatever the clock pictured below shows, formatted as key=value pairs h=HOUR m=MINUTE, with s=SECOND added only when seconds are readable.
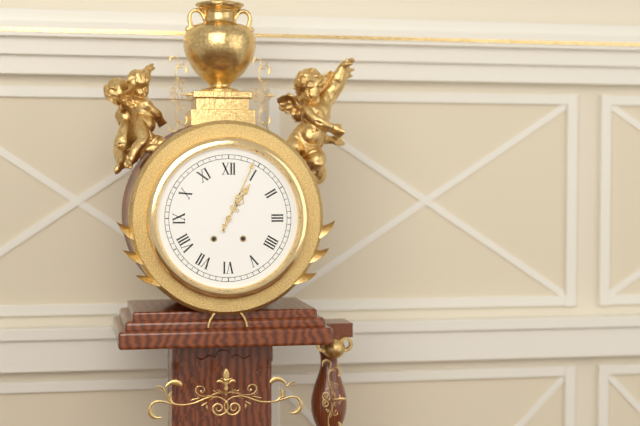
h=1 m=4
